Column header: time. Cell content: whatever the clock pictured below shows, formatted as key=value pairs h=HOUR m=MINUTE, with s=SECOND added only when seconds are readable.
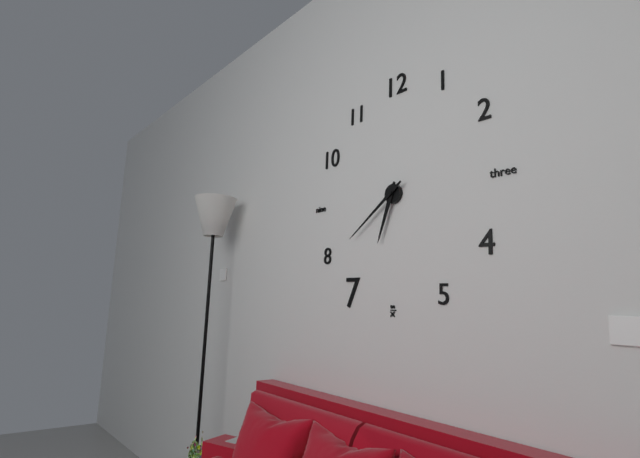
h=6 m=39
